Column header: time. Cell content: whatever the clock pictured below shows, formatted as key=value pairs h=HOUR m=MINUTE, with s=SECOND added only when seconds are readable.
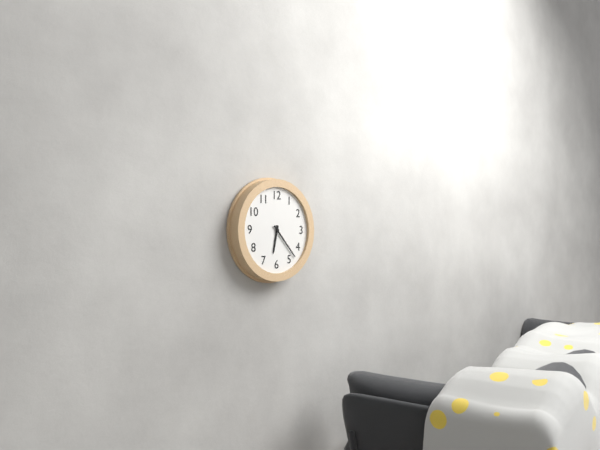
h=6 m=23
